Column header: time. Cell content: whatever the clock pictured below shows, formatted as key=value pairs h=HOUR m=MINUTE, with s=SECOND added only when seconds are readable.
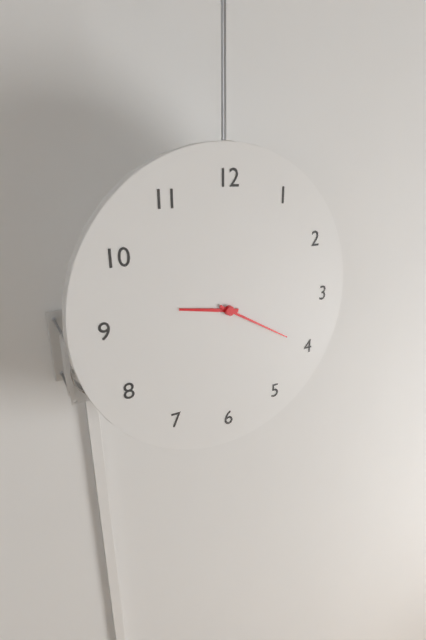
h=9 m=20
